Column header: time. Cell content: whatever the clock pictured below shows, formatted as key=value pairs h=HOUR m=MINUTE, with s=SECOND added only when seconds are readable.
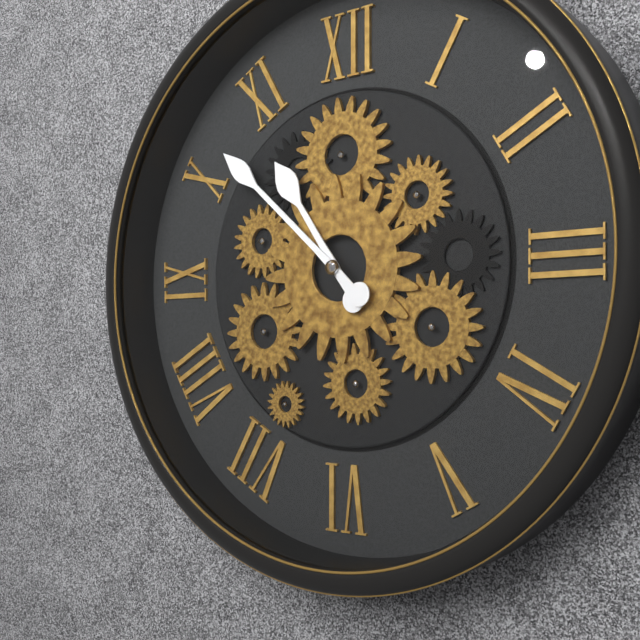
h=10 m=52
